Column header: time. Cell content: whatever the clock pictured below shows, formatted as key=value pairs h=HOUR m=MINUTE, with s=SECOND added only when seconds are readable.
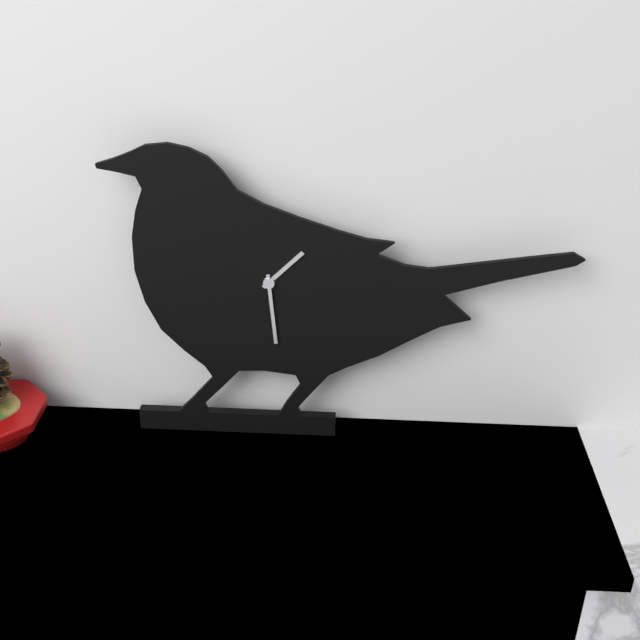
h=1 m=29
